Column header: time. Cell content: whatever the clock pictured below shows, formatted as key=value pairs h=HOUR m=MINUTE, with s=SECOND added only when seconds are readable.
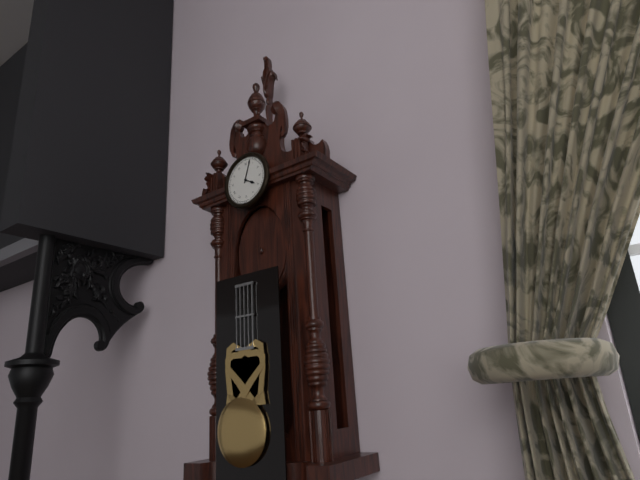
h=4 m=3
